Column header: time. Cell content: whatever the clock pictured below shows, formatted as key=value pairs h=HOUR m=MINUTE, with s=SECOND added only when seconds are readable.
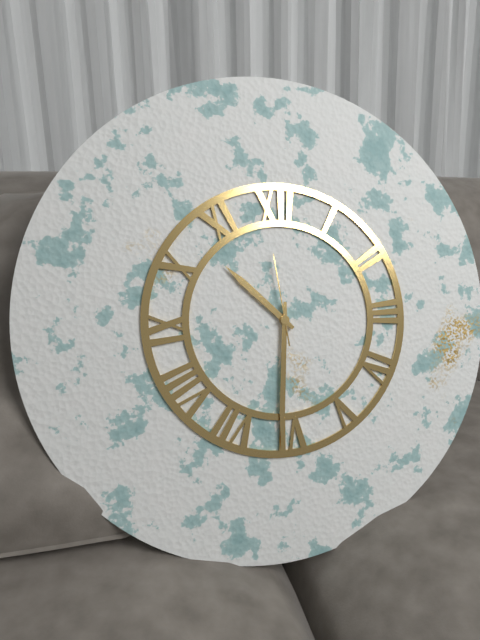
h=10 m=31 s=59
